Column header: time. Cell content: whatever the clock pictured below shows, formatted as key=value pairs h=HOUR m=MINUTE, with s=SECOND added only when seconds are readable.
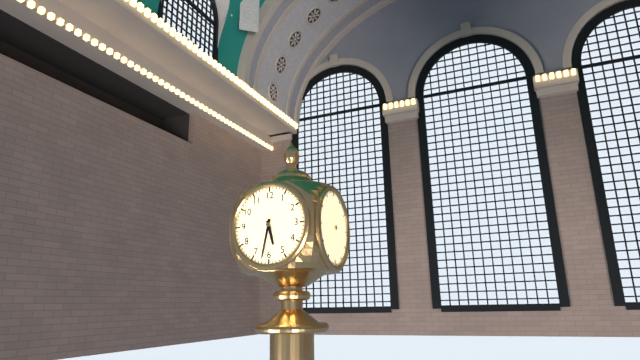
h=5 m=32
